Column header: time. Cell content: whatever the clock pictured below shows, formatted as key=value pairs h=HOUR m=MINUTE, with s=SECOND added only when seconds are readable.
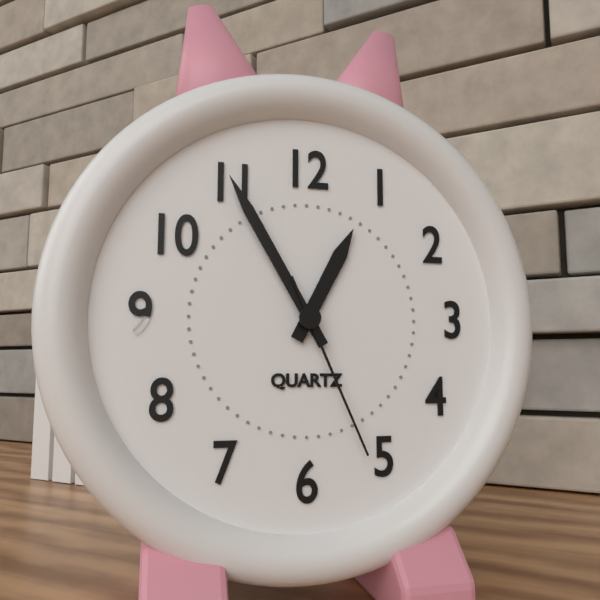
h=12 m=55 s=26
